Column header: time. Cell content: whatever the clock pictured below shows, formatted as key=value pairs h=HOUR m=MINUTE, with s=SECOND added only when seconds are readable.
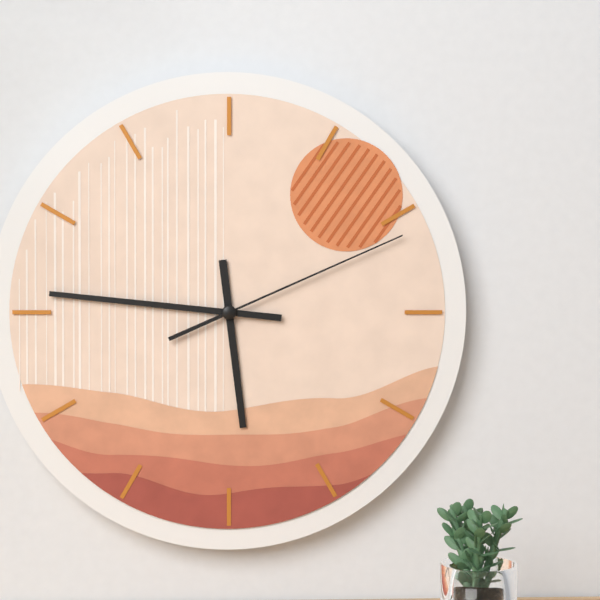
h=5 m=46 s=11
